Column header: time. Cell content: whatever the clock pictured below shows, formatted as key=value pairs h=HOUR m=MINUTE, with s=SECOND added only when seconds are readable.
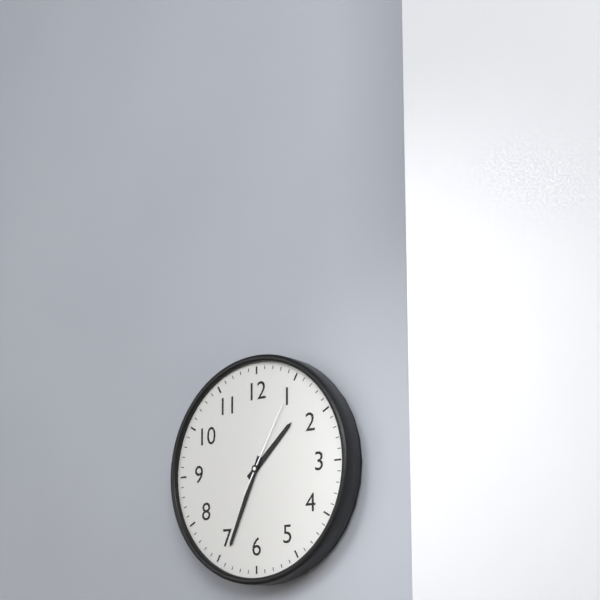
h=1 m=34 s=5
